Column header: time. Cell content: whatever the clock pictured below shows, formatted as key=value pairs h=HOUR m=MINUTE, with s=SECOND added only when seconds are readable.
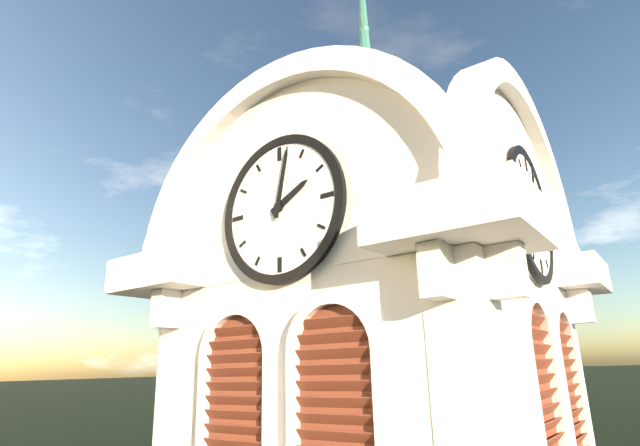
h=2 m=2
